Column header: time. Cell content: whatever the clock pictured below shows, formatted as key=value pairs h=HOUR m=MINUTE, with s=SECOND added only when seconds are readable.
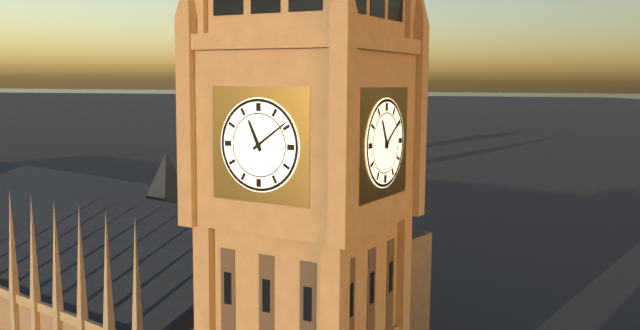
h=11 m=9
